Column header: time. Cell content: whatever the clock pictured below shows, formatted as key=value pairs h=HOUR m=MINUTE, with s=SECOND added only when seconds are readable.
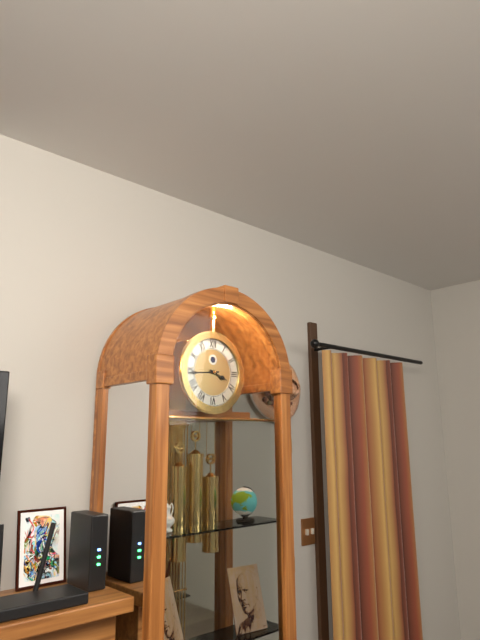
h=3 m=44
